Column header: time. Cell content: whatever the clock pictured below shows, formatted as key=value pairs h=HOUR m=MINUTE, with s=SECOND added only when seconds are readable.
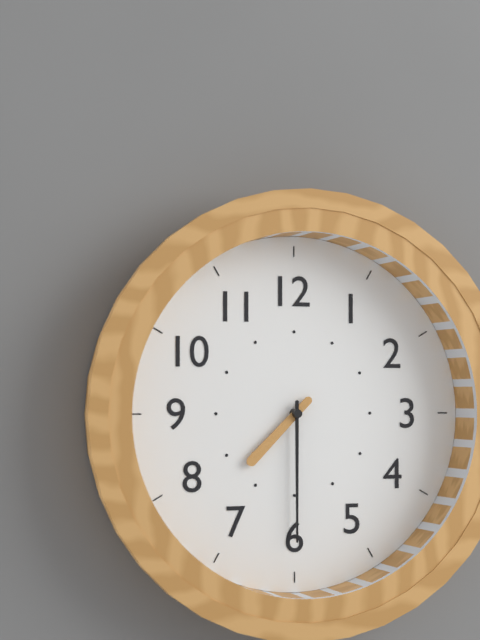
h=7 m=30
